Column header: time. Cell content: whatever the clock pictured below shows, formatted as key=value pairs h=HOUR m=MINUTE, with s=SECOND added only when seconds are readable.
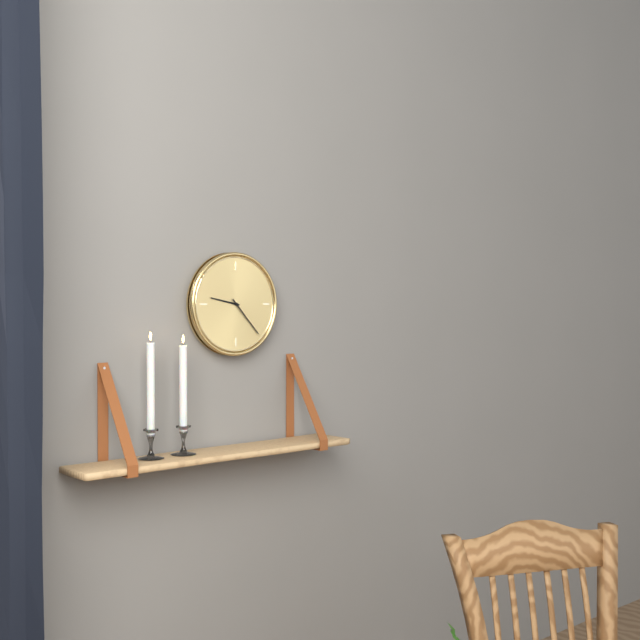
h=9 m=23
